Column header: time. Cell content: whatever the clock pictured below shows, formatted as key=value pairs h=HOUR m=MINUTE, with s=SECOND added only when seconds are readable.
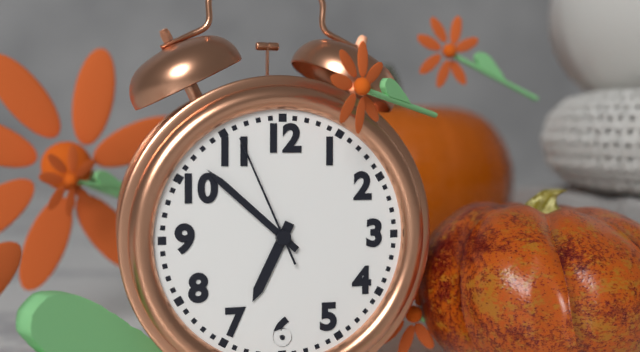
h=6 m=52 s=56
